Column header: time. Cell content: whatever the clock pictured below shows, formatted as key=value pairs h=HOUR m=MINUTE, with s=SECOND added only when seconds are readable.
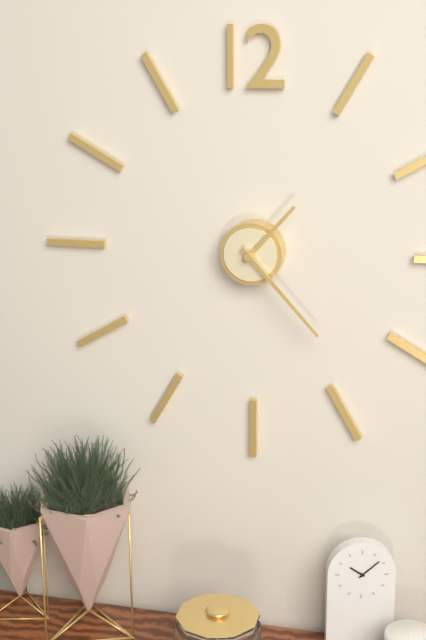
h=1 m=23
